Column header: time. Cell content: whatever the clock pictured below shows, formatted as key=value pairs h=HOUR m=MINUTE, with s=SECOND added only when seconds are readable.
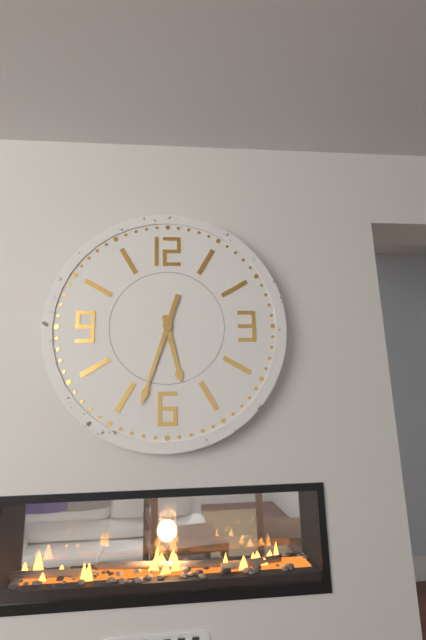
h=5 m=33
